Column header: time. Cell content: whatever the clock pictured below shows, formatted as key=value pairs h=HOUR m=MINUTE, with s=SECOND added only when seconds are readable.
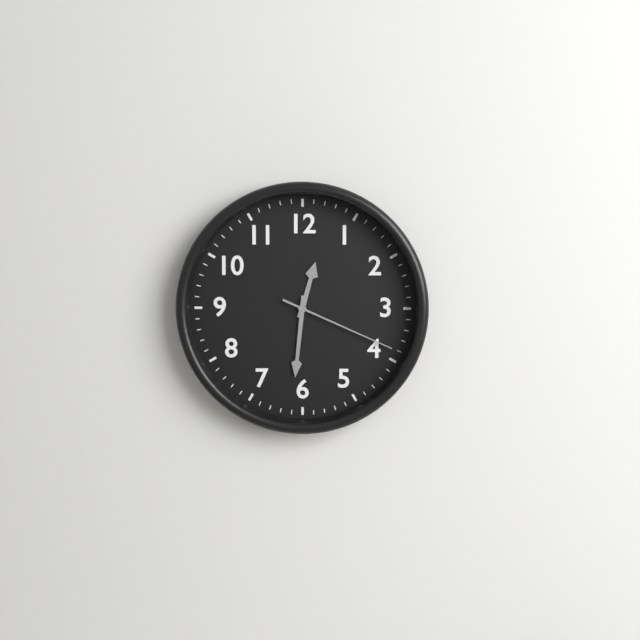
h=12 m=31 s=19
